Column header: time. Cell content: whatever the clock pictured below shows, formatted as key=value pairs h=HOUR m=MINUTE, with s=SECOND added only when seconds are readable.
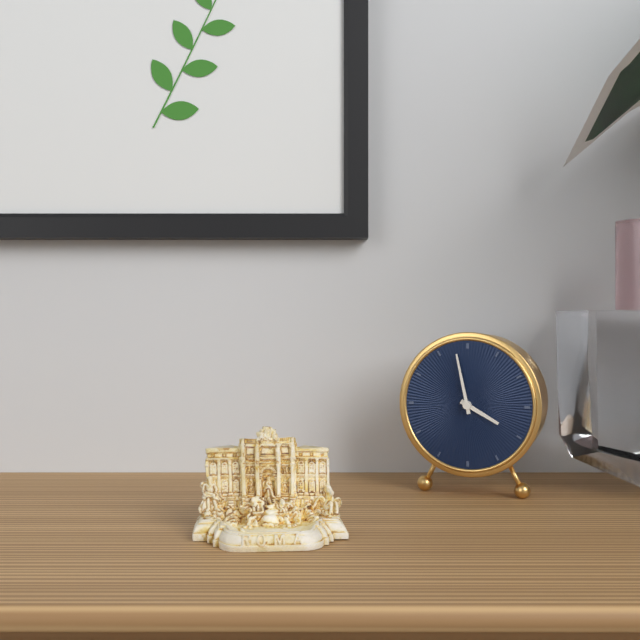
h=3 m=58
